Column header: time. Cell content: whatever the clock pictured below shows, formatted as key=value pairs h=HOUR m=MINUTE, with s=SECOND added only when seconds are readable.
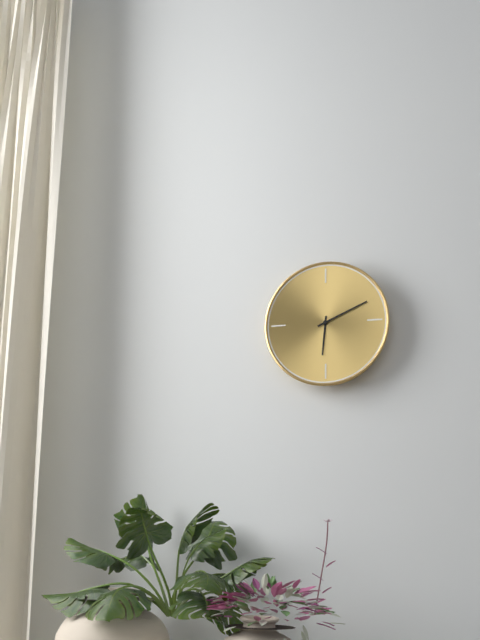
h=6 m=11
